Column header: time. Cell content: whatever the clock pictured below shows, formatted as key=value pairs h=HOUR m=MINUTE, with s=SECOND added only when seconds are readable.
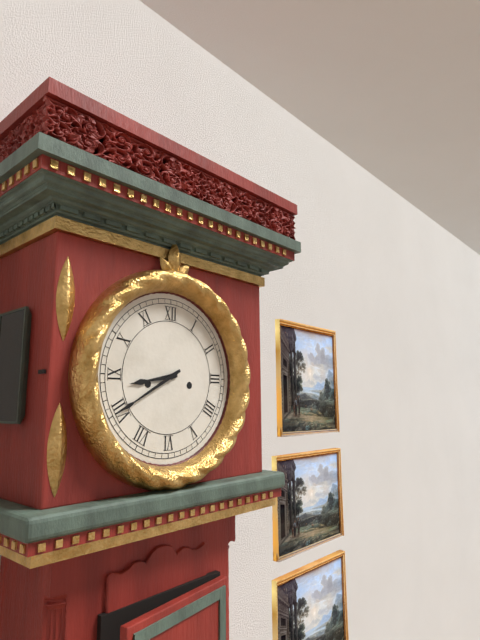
h=8 m=40
